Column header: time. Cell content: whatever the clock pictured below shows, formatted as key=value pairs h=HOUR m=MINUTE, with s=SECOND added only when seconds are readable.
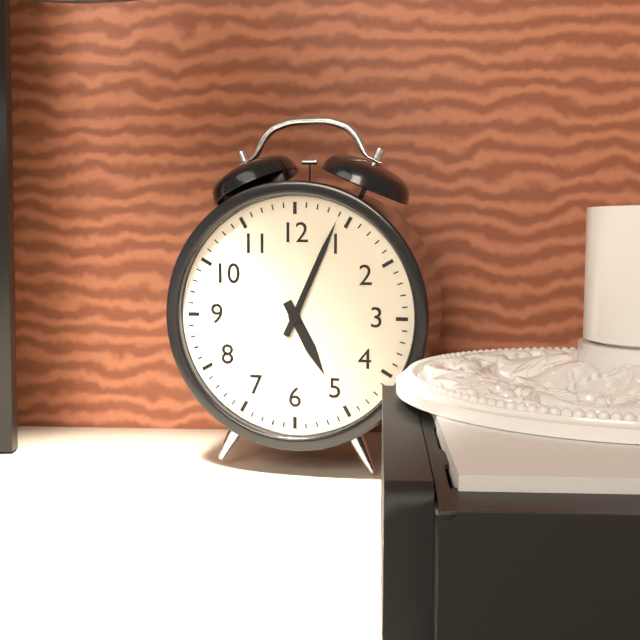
h=5 m=4
